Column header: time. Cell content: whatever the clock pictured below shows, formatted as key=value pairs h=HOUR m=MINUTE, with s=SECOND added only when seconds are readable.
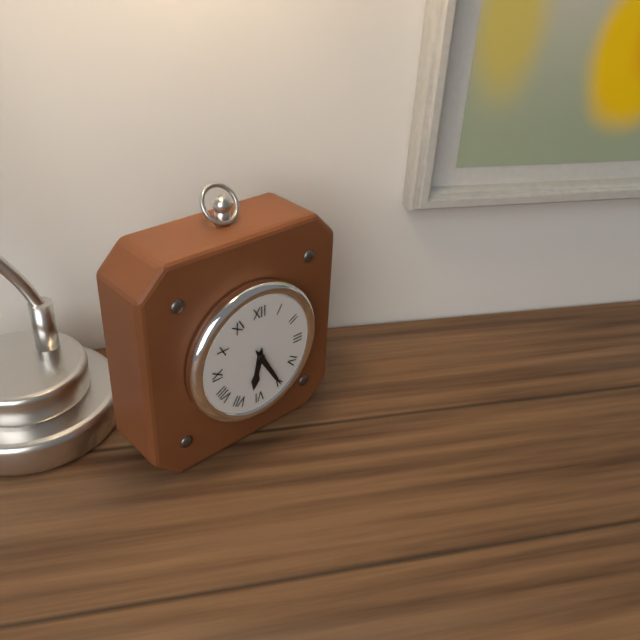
h=6 m=25
